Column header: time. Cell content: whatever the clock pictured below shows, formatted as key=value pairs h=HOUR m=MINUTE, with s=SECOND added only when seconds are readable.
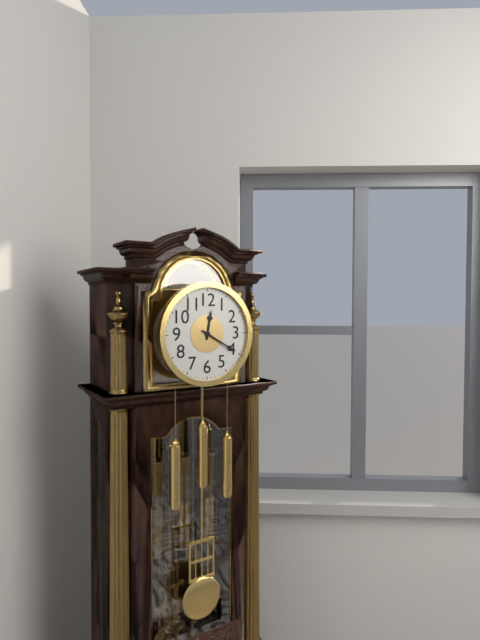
h=12 m=20
